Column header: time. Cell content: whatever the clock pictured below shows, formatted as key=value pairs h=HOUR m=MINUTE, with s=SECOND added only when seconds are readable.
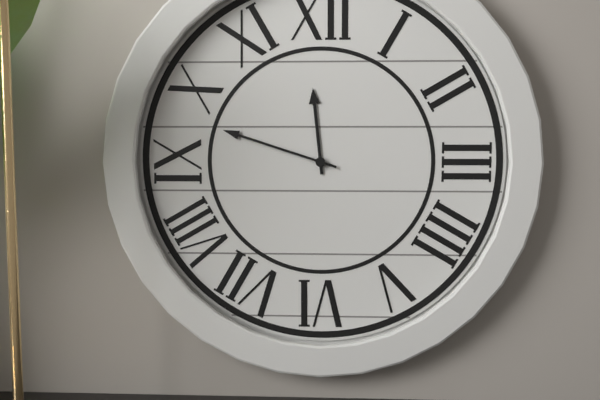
h=11 m=48
